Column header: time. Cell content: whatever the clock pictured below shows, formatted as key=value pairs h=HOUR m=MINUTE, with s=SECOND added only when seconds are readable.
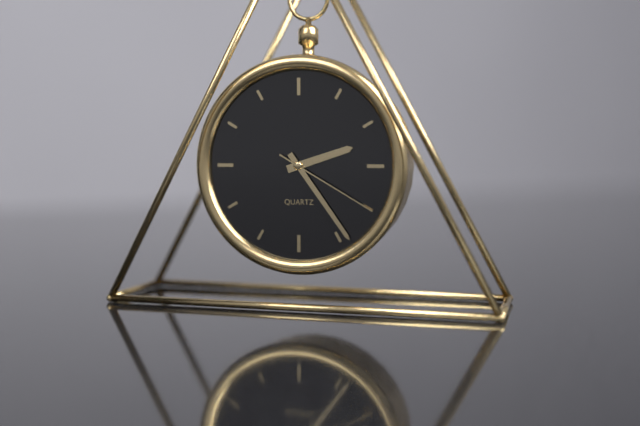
h=2 m=24 s=20
